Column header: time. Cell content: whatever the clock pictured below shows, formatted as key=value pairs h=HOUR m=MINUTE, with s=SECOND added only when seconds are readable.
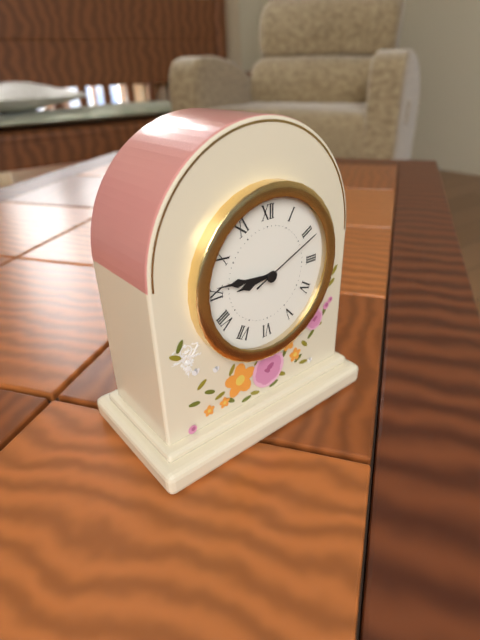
h=8 m=46 s=11
